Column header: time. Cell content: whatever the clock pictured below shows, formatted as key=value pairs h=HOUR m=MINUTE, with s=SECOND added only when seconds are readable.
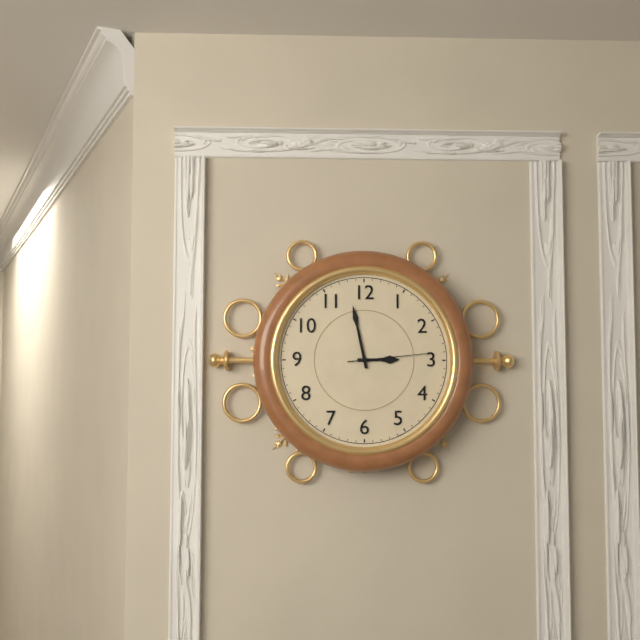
h=2 m=58 s=14
